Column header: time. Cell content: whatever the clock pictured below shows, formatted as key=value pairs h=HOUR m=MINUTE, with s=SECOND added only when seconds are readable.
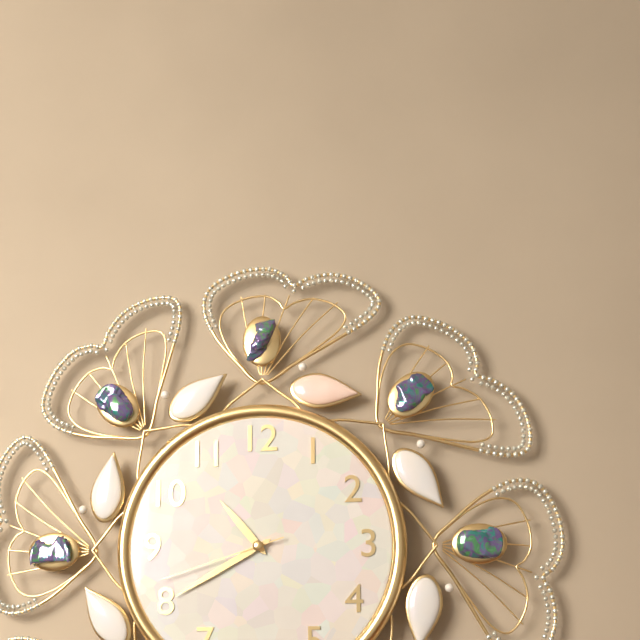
h=10 m=40 s=42
